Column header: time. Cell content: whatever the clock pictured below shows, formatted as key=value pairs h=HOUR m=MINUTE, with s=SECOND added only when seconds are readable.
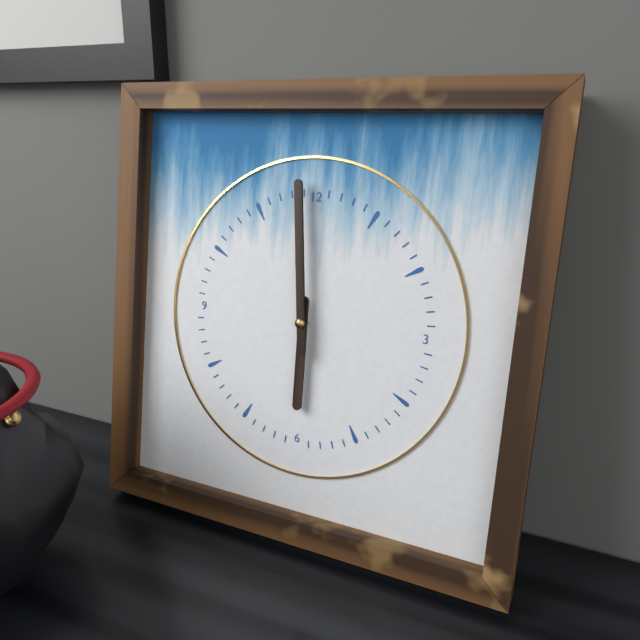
h=5 m=59
